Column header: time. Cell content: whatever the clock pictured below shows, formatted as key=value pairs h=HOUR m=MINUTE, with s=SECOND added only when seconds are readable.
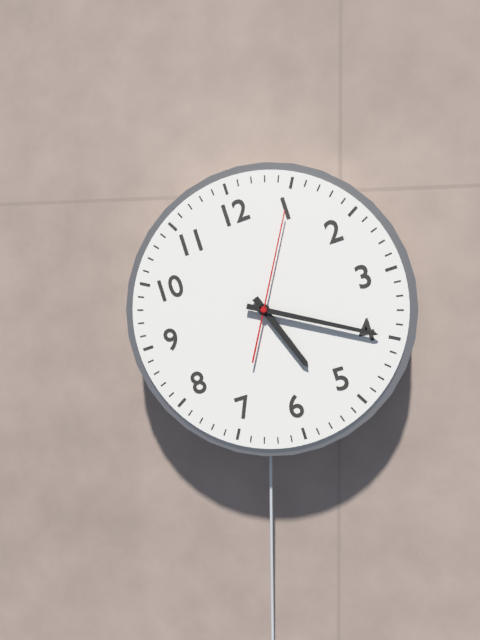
h=5 m=20 s=5
